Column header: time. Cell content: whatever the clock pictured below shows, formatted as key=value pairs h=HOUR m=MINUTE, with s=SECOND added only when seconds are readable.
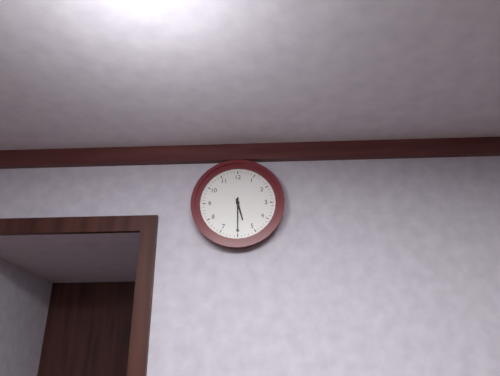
h=5 m=30
